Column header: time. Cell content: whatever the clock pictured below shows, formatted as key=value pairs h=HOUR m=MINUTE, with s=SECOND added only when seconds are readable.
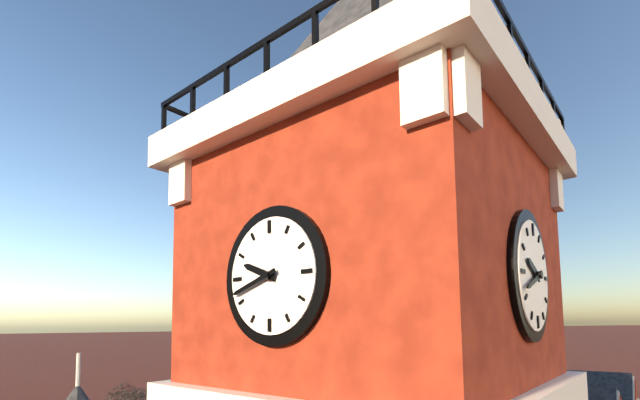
h=9 m=42
